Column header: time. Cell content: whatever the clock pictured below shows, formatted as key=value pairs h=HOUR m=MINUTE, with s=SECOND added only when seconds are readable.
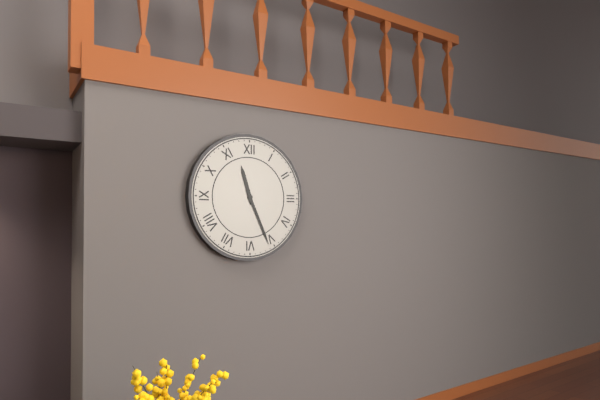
h=11 m=26
